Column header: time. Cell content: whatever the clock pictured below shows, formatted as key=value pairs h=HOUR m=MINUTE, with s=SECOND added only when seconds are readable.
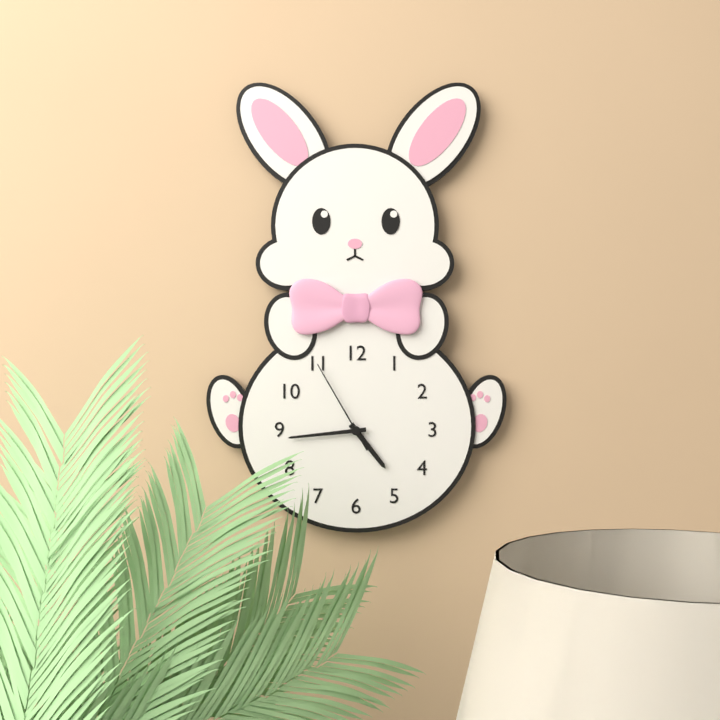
h=4 m=44 s=55
